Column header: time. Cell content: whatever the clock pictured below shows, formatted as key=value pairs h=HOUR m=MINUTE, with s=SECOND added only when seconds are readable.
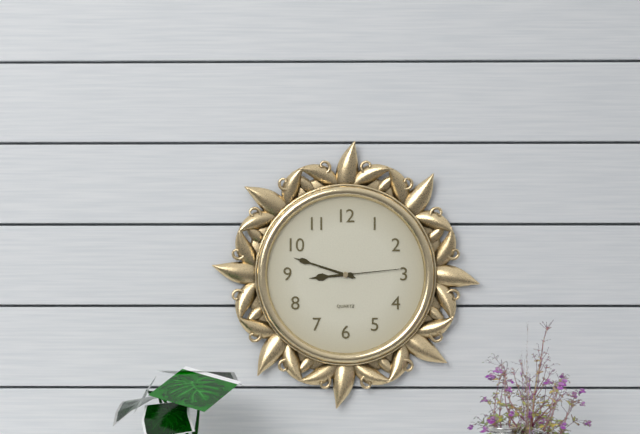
h=8 m=48 s=14
